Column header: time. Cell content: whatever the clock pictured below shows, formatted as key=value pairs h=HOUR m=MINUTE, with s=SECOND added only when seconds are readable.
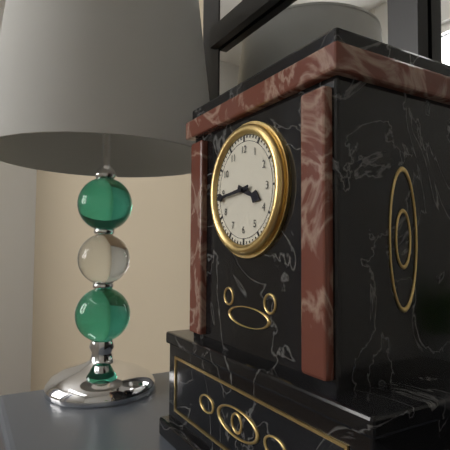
h=3 m=44
